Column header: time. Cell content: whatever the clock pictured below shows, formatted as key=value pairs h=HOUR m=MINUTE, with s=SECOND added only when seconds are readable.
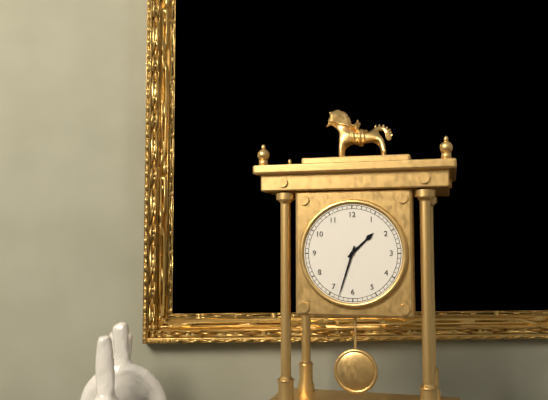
h=1 m=33
